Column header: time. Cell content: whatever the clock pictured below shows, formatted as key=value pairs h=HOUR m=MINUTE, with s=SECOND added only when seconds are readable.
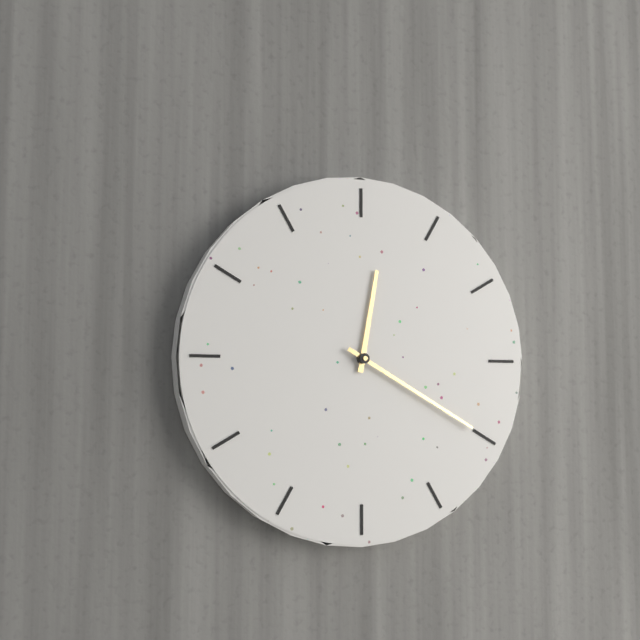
h=12 m=20
